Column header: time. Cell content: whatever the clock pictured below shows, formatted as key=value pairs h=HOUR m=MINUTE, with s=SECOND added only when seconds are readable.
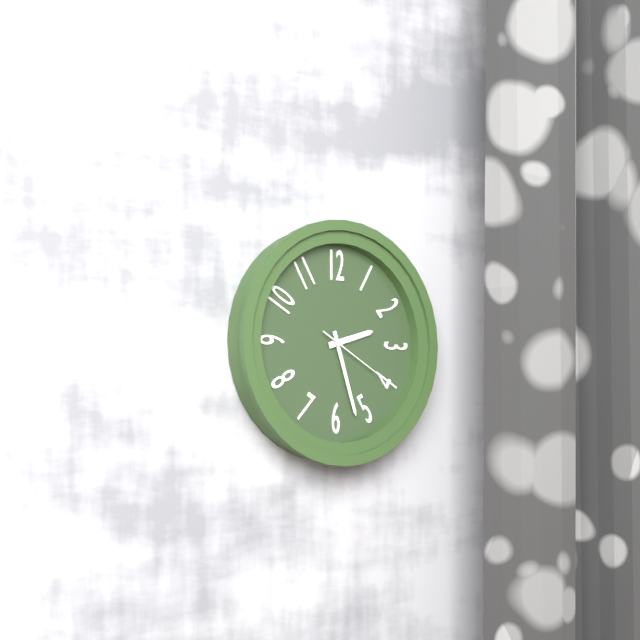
h=2 m=27 s=20
